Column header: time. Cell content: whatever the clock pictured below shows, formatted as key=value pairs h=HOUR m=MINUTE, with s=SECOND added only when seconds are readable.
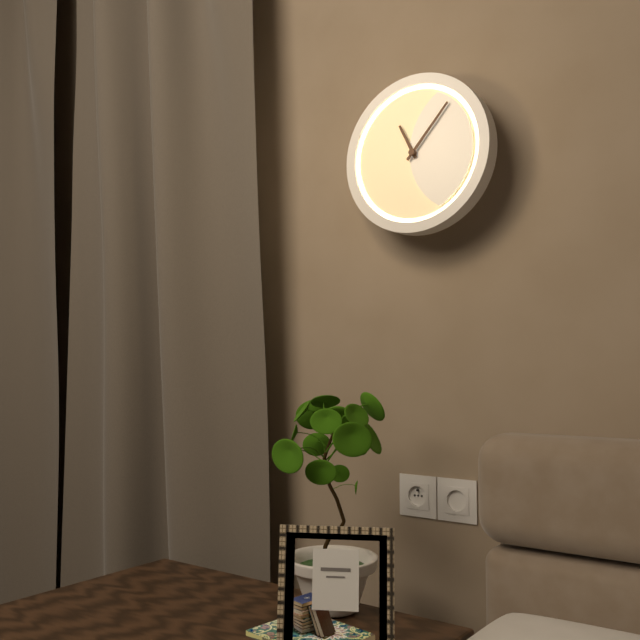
h=11 m=7
